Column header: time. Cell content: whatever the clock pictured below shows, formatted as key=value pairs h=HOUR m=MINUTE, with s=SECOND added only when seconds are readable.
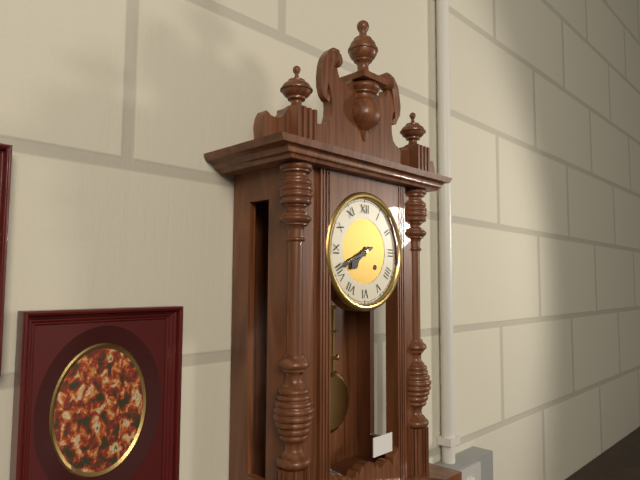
h=7 m=41
